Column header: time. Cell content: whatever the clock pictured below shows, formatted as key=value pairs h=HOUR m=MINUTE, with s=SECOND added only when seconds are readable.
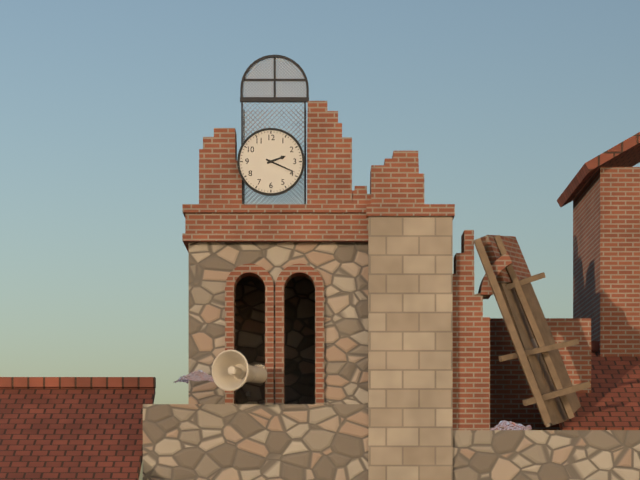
h=2 m=19
